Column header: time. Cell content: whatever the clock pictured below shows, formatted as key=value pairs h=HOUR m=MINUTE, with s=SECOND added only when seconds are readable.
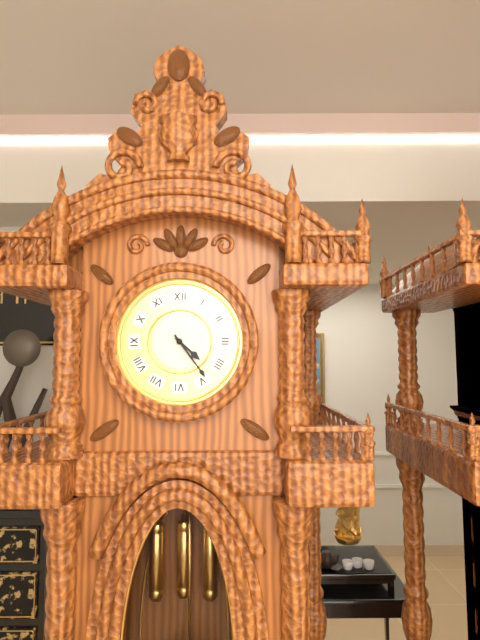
h=4 m=24
